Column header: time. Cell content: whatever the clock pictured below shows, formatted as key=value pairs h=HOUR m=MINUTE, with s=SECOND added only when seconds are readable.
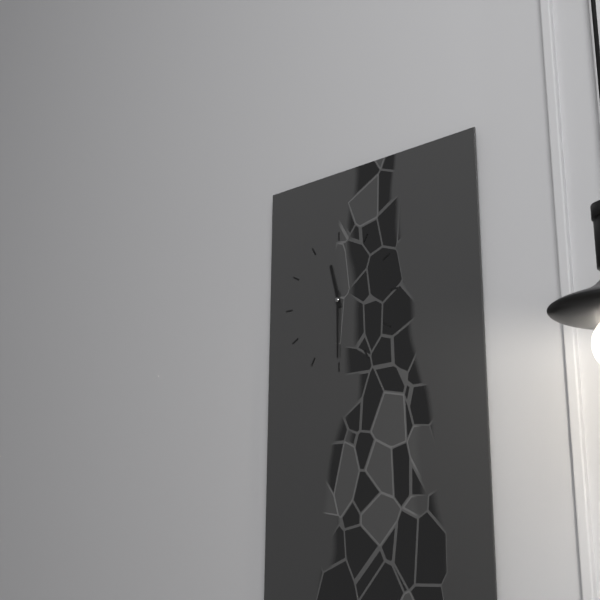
h=11 m=30
